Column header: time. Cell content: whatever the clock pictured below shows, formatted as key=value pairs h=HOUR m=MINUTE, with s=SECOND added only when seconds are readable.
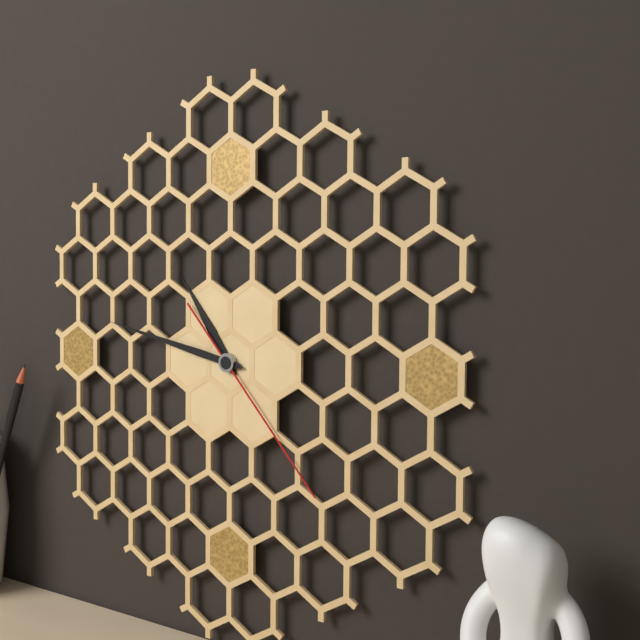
h=10 m=47 s=23
